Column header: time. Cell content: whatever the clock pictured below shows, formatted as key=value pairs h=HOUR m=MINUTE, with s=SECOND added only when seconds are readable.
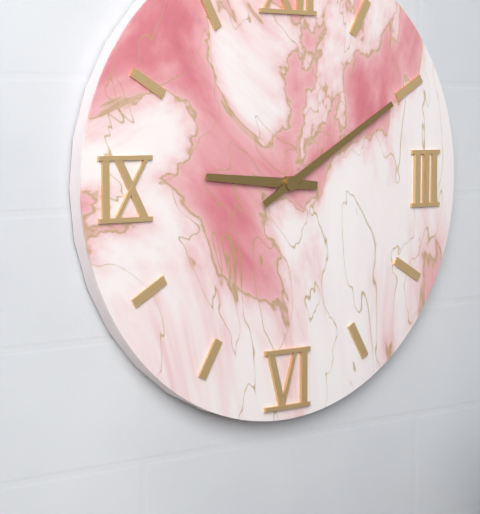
h=9 m=10
